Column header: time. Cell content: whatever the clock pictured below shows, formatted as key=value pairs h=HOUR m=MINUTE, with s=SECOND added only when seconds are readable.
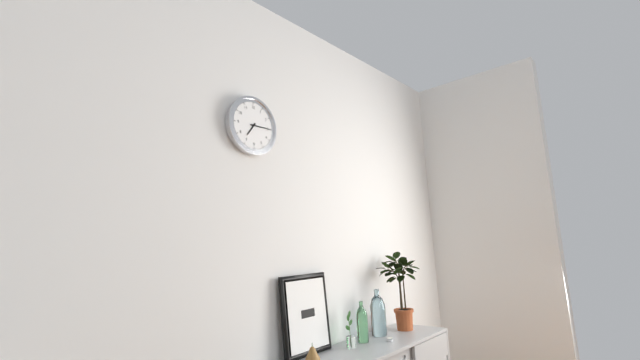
h=7 m=15
